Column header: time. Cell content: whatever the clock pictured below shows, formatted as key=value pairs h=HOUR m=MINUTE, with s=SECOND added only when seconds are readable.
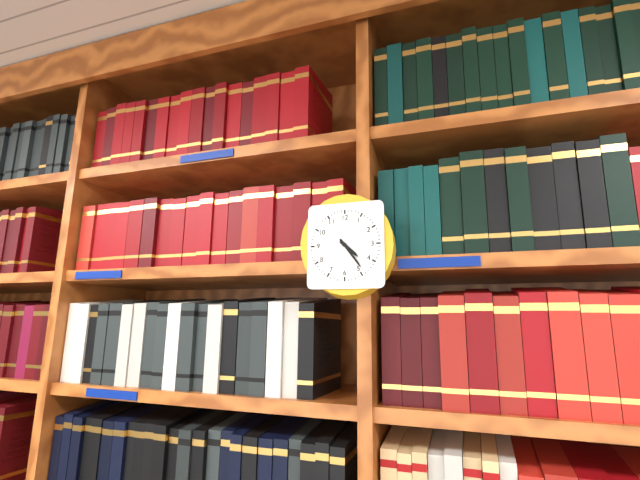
h=4 m=24
